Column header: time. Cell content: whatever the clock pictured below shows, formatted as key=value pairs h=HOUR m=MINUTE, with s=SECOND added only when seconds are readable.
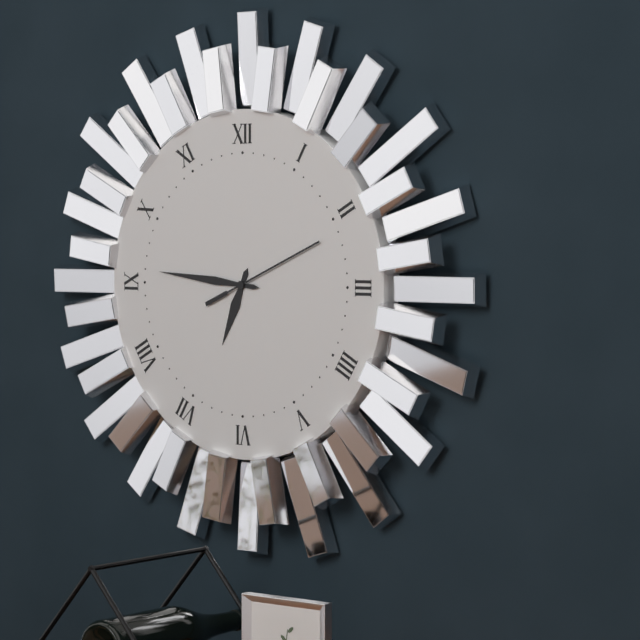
h=6 m=46 s=11
